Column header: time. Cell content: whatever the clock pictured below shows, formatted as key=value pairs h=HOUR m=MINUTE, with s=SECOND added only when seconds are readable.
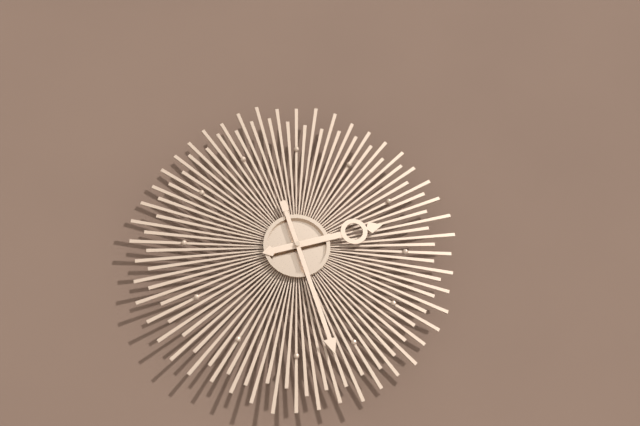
h=2 m=27
